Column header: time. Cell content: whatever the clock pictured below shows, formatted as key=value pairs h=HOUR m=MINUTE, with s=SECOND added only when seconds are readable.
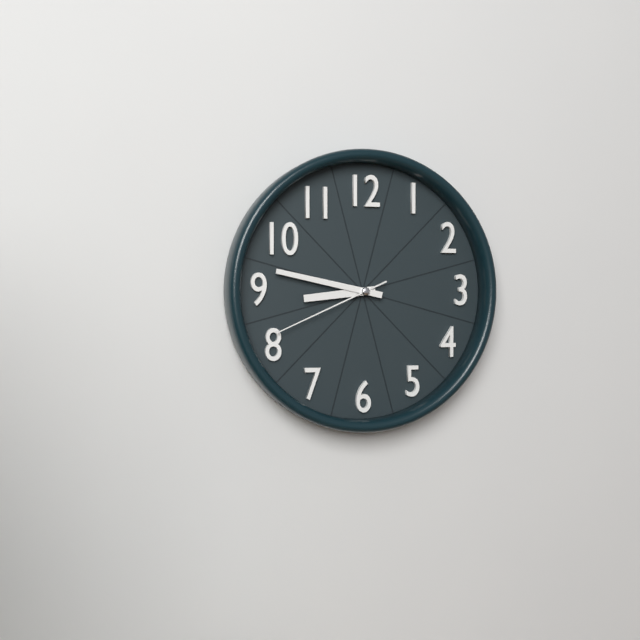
h=8 m=47 s=41
